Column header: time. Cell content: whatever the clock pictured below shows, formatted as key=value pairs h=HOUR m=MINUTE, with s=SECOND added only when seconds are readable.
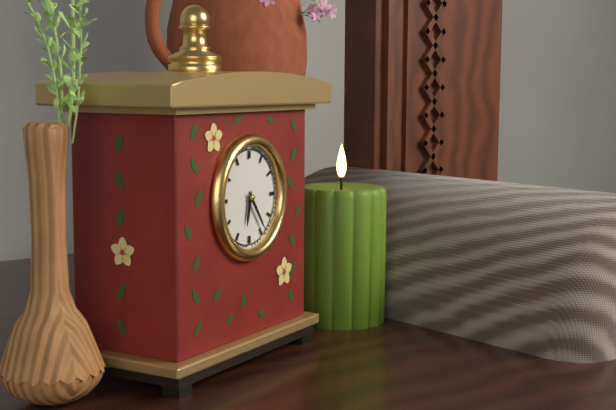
h=6 m=24
